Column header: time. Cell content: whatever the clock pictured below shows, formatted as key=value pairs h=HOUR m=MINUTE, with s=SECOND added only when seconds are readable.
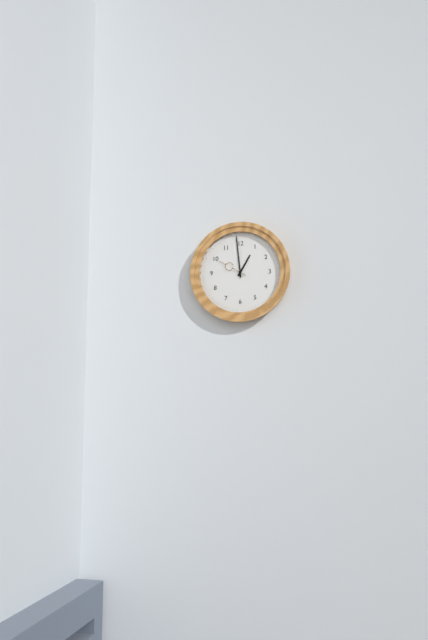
h=12 m=59
